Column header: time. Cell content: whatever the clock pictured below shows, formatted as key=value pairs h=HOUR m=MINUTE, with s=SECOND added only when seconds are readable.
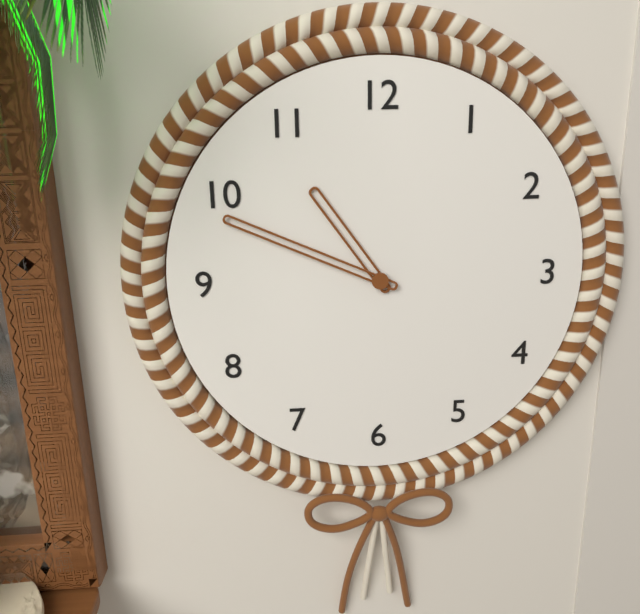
h=10 m=49
